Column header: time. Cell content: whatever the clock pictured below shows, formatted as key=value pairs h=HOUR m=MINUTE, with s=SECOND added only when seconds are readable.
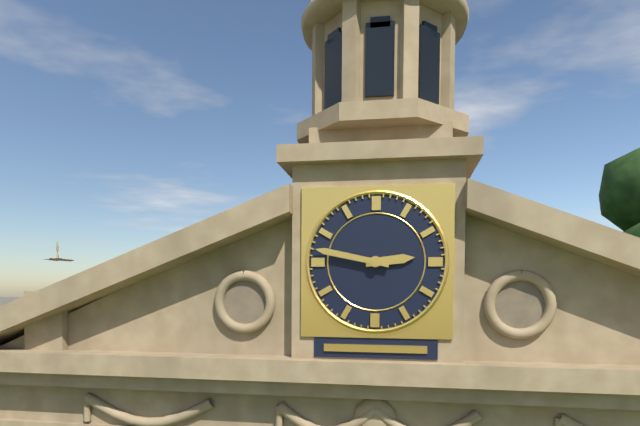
h=2 m=47
